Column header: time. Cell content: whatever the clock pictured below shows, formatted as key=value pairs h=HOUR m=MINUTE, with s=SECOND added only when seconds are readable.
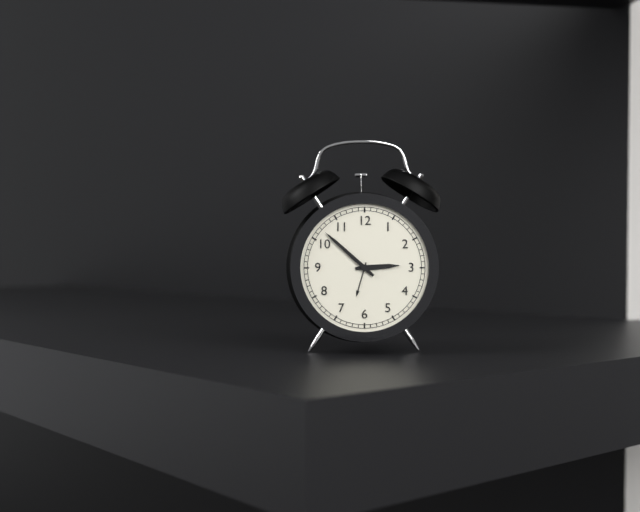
h=2 m=52
